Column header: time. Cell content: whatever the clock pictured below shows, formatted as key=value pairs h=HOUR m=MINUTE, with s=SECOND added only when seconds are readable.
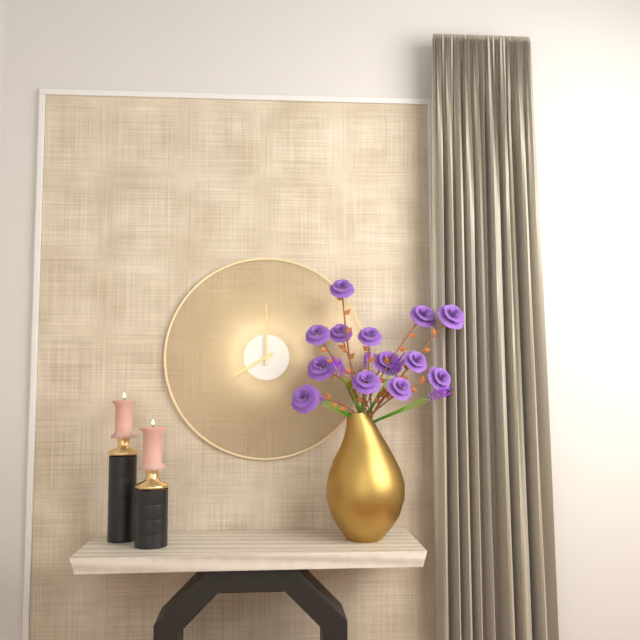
h=8 m=0
